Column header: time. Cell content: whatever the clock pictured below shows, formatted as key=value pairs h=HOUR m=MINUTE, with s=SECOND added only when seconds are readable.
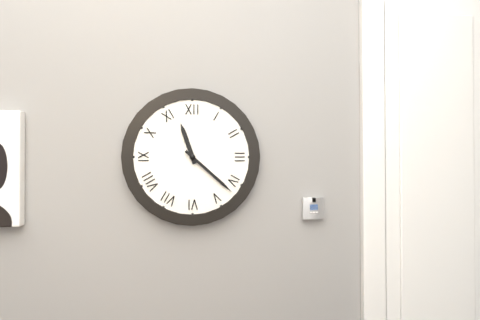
h=11 m=22
